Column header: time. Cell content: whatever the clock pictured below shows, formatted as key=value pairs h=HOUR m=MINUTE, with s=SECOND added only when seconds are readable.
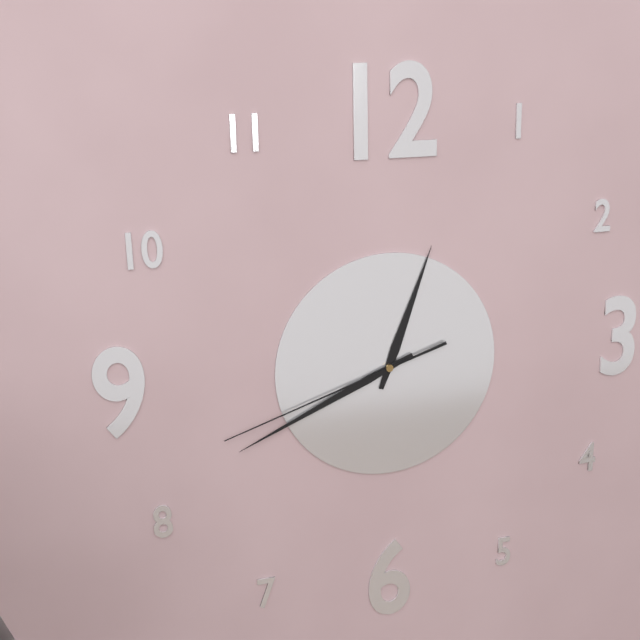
h=12 m=41 s=42
